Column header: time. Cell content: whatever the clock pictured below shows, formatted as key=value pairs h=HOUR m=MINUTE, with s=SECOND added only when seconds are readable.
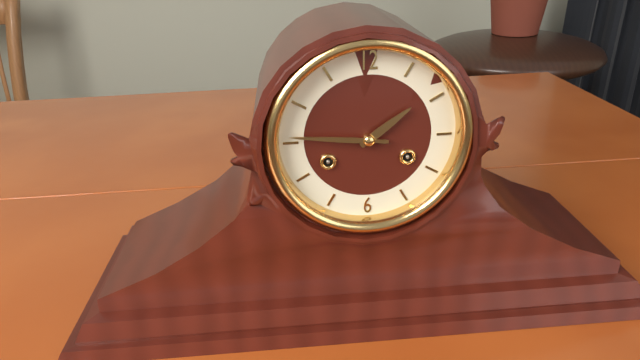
h=1 m=46
